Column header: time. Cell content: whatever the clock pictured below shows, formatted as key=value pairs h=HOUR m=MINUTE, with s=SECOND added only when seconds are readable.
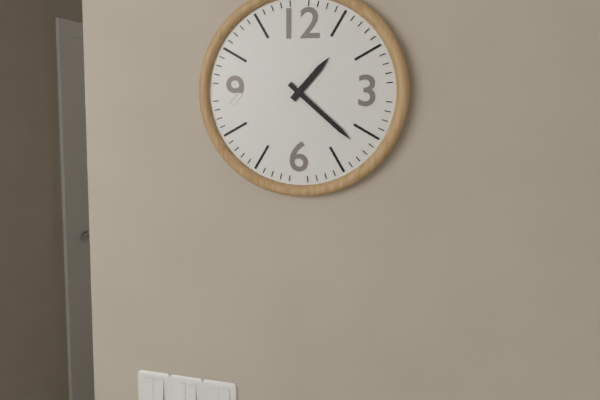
h=1 m=22
